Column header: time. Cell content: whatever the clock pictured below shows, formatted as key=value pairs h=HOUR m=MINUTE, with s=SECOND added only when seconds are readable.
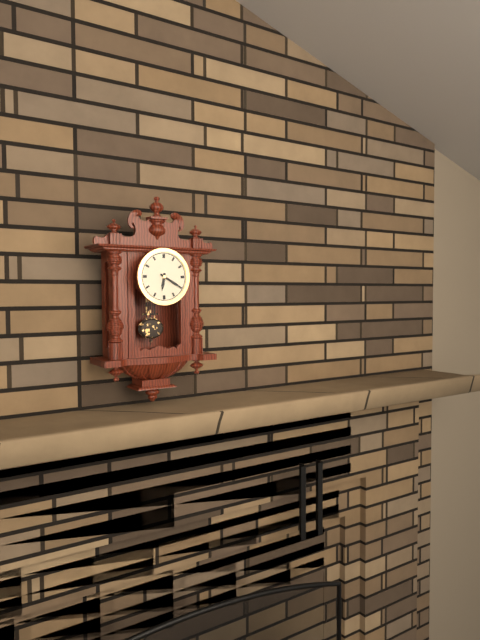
h=6 m=20
